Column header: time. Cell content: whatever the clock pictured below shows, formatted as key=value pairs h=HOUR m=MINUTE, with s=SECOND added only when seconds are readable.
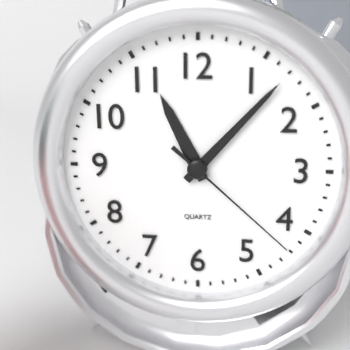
h=11 m=7 s=22
